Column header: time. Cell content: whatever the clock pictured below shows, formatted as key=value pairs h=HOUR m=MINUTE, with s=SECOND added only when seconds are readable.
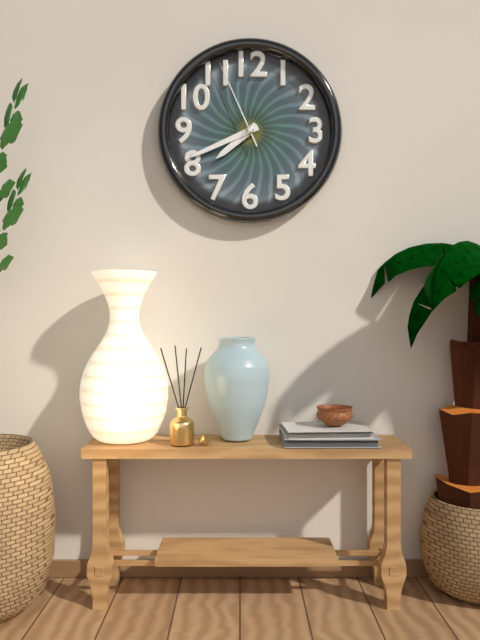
h=7 m=41 s=56
